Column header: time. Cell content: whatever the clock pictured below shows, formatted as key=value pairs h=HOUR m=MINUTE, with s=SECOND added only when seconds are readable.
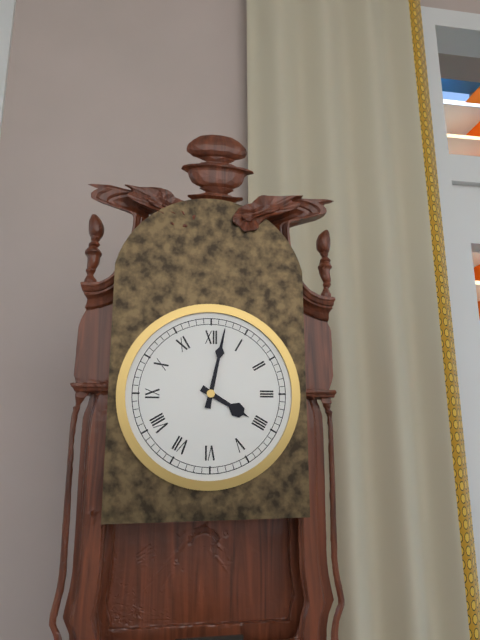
h=4 m=2
